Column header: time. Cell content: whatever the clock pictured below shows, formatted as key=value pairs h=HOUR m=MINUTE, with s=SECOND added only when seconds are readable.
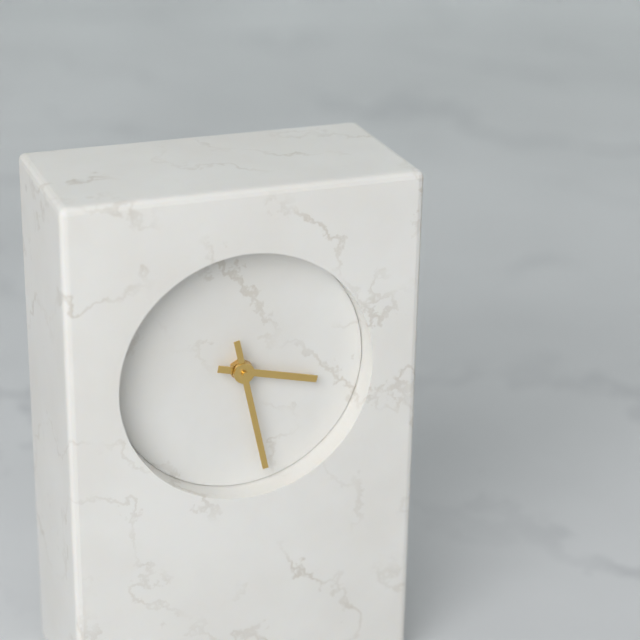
h=3 m=28
